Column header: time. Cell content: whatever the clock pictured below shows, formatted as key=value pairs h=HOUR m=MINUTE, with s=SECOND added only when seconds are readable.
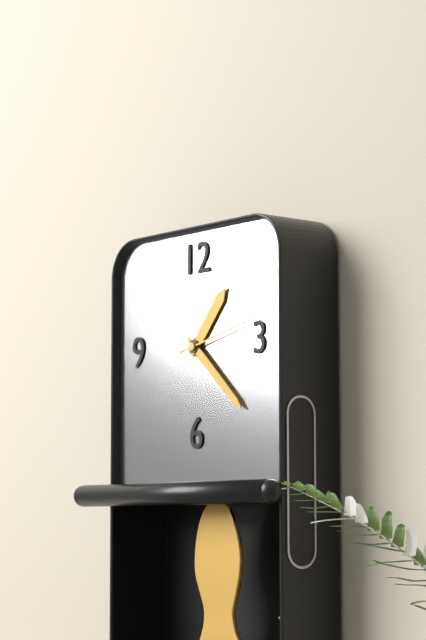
h=1 m=22 s=13
